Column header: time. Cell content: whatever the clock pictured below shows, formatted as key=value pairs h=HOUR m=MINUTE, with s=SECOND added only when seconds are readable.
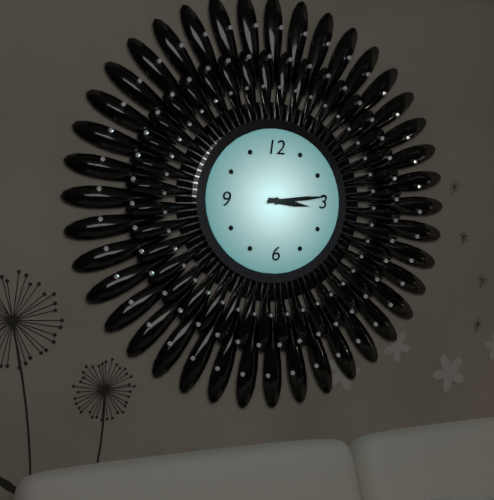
h=3 m=14
